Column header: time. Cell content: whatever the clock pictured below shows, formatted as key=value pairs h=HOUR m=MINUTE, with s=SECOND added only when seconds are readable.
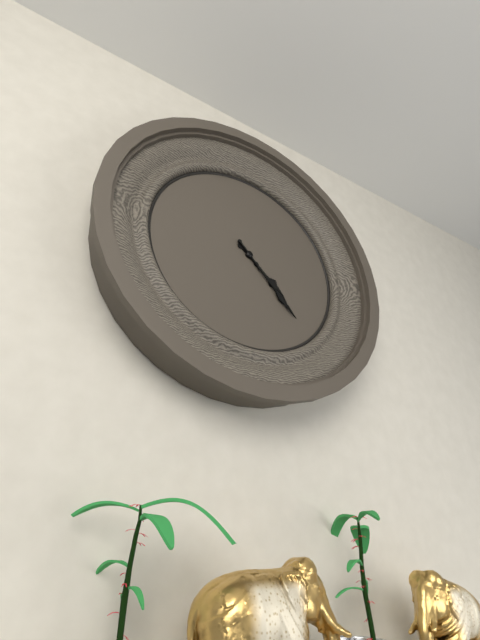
h=4 m=23
